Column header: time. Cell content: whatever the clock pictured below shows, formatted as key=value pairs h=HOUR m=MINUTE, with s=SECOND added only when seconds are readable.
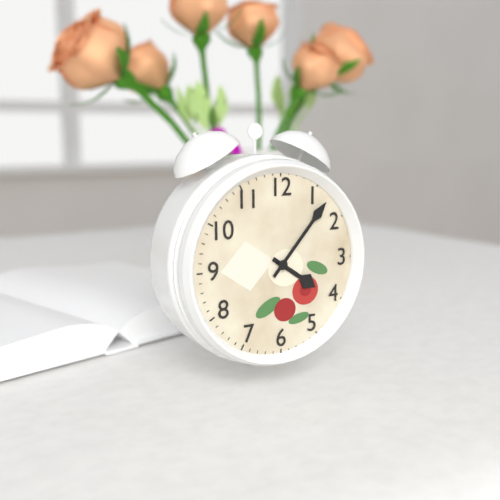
h=4 m=7
